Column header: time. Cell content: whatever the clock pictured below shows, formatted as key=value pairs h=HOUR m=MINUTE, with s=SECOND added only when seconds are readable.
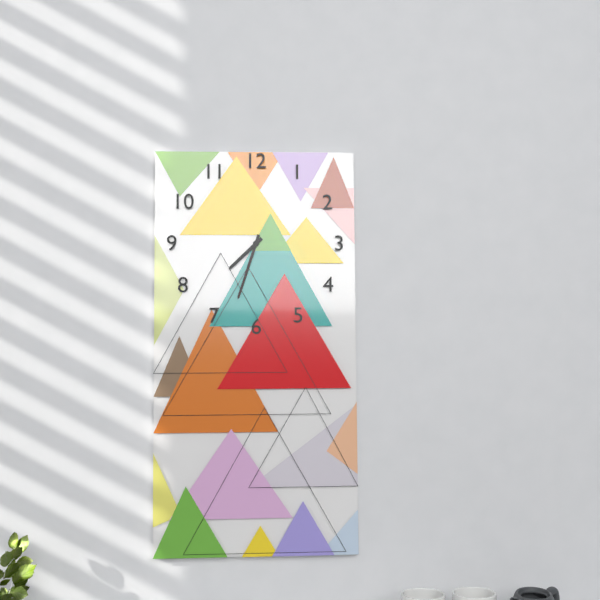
h=7 m=33
